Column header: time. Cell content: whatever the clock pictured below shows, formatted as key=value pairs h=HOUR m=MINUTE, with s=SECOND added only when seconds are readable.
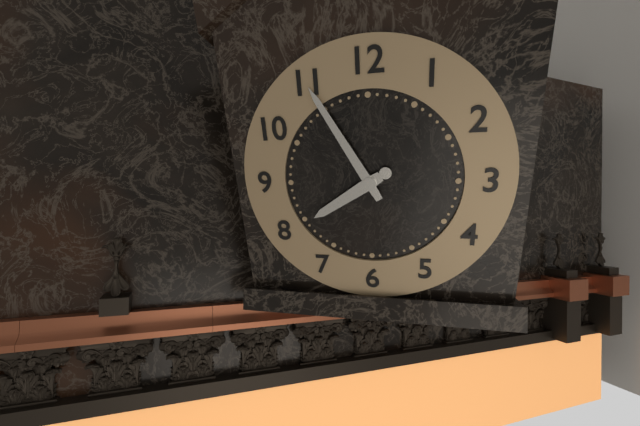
h=7 m=55
